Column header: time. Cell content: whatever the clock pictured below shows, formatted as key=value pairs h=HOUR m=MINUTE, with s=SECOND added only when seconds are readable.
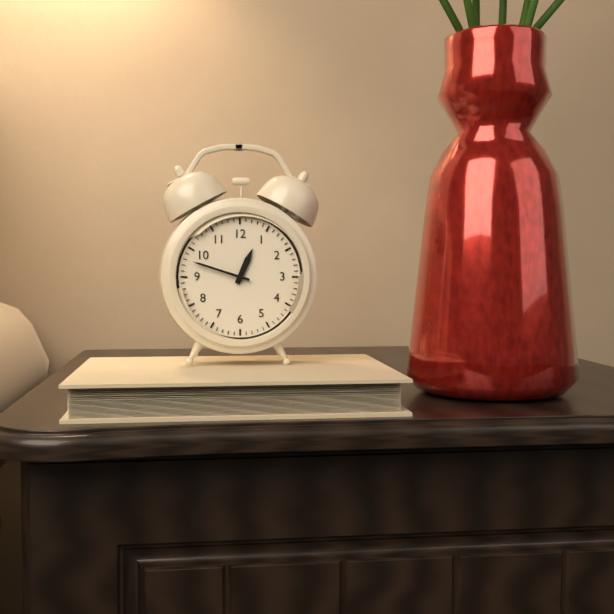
h=12 m=48
